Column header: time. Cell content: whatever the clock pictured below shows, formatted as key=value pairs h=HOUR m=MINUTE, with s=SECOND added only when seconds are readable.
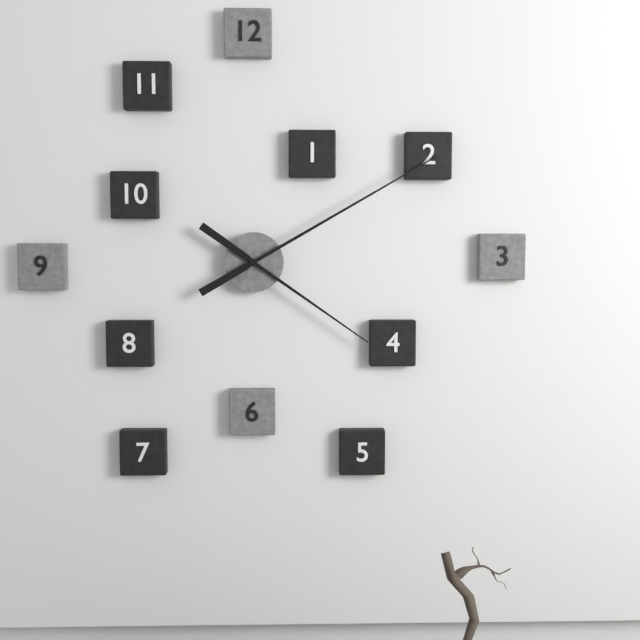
h=4 m=10
